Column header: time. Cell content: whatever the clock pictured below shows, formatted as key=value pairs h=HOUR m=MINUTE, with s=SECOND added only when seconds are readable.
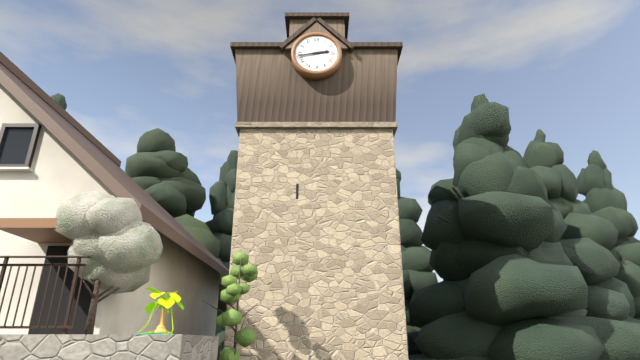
h=2 m=43
